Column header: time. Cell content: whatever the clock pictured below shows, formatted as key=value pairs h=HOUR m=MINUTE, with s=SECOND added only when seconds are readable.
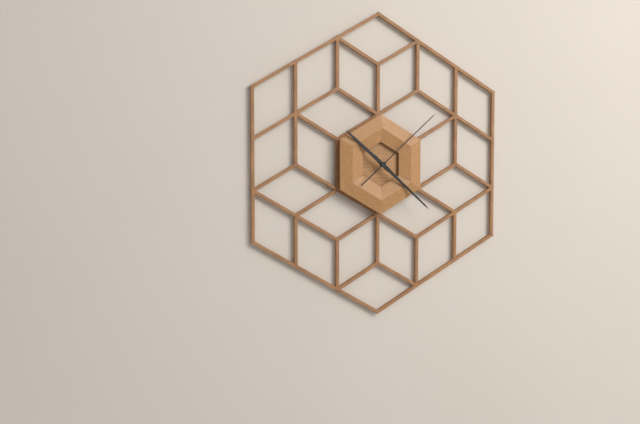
h=10 m=22 s=8
